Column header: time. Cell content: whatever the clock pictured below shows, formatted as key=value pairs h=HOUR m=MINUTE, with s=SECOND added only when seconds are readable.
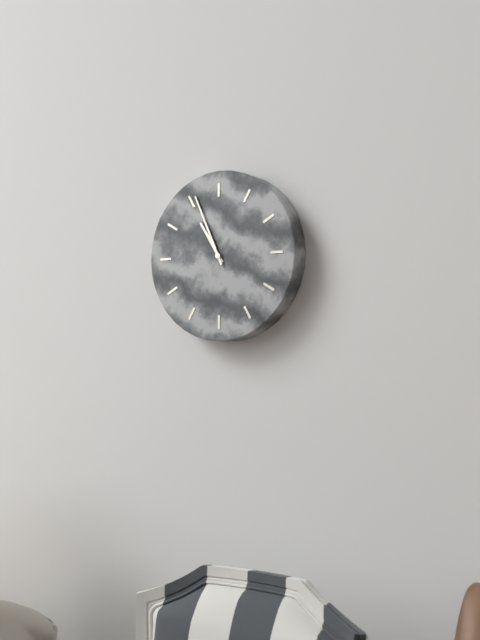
h=10 m=56
